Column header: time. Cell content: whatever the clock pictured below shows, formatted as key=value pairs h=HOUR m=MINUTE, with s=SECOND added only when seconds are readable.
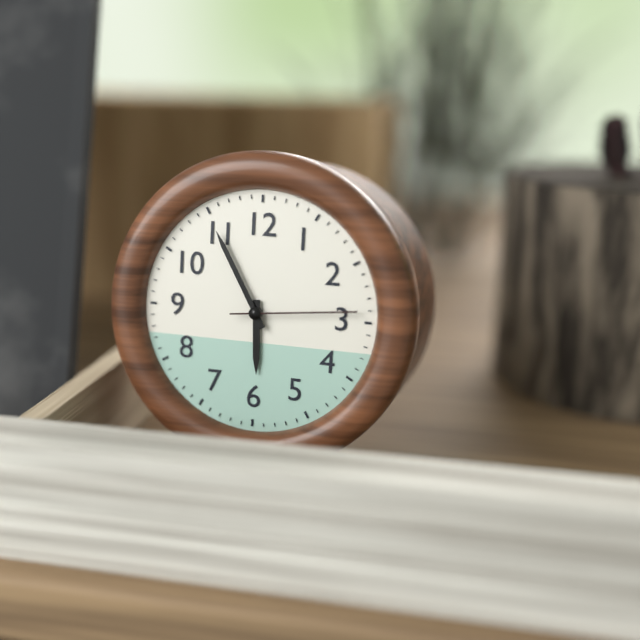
h=5 m=55 s=14
